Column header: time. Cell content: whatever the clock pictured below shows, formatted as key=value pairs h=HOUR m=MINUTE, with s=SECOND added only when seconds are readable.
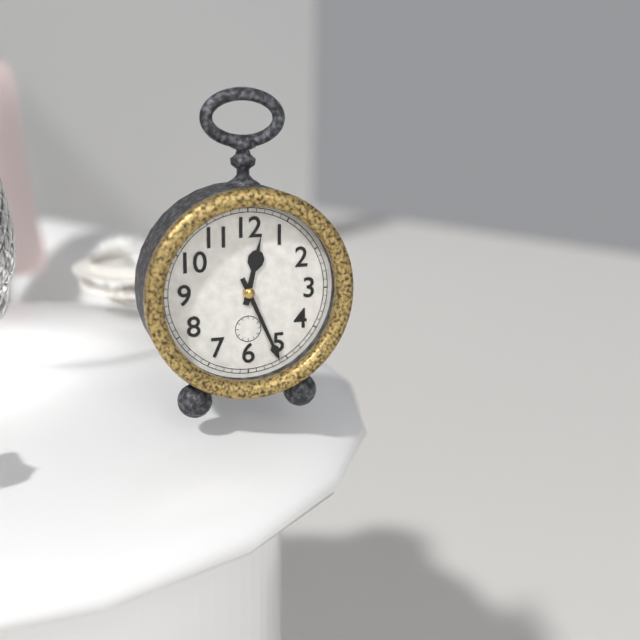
h=12 m=26
